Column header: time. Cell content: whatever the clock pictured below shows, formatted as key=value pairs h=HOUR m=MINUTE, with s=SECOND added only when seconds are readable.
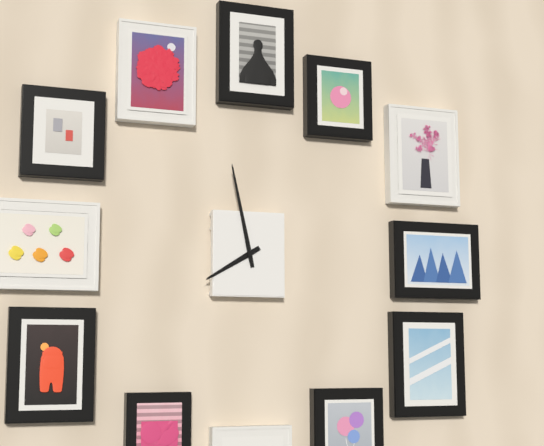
h=7 m=58
